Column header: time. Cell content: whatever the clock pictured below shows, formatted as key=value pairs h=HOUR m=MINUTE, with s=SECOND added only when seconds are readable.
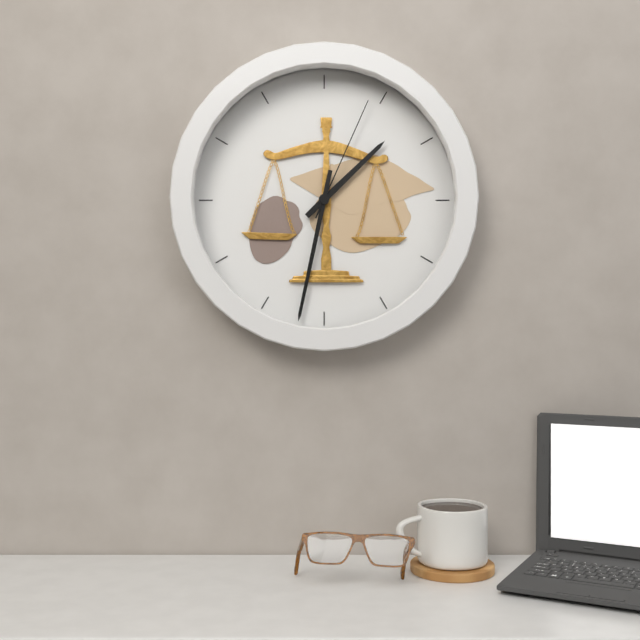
h=1 m=32 s=4
